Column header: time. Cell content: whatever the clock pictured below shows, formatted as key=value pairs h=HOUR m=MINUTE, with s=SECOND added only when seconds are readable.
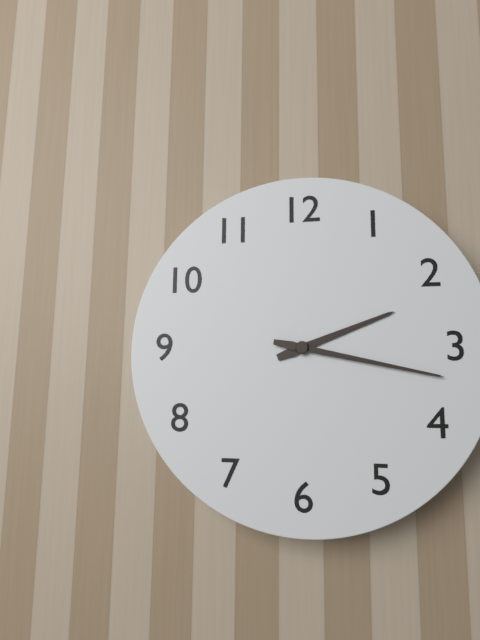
h=2 m=17
